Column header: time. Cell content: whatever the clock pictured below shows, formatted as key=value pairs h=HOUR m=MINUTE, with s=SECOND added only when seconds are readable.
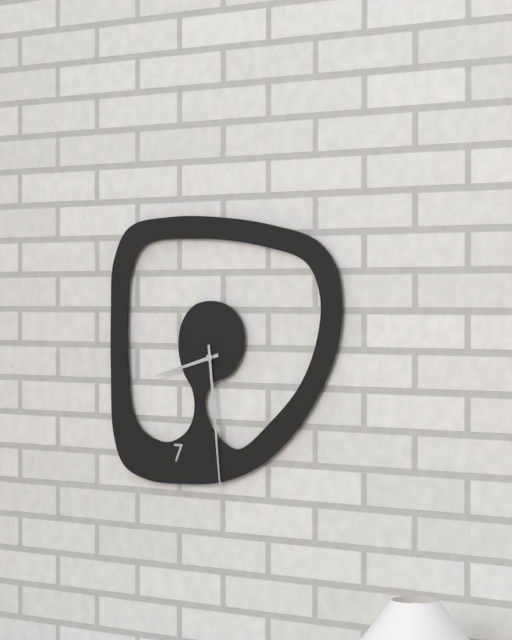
h=8 m=29
